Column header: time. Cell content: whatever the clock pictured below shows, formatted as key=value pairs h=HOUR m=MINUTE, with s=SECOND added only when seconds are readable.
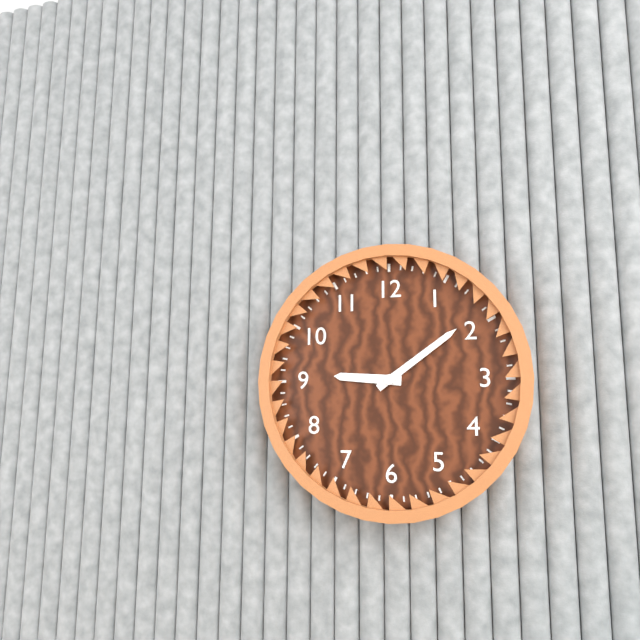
h=9 m=9
